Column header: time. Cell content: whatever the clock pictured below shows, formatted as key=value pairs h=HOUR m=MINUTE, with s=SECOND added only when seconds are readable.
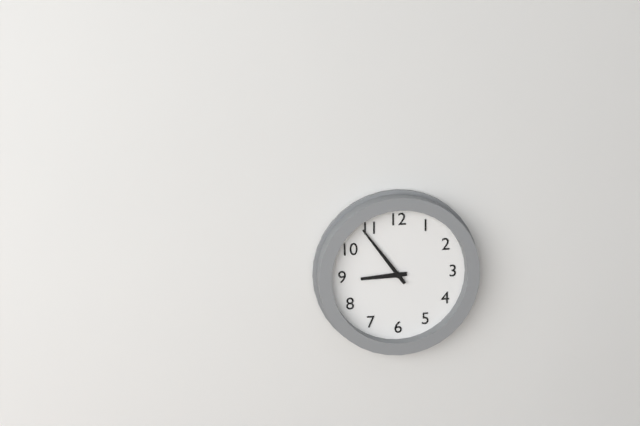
h=8 m=54
